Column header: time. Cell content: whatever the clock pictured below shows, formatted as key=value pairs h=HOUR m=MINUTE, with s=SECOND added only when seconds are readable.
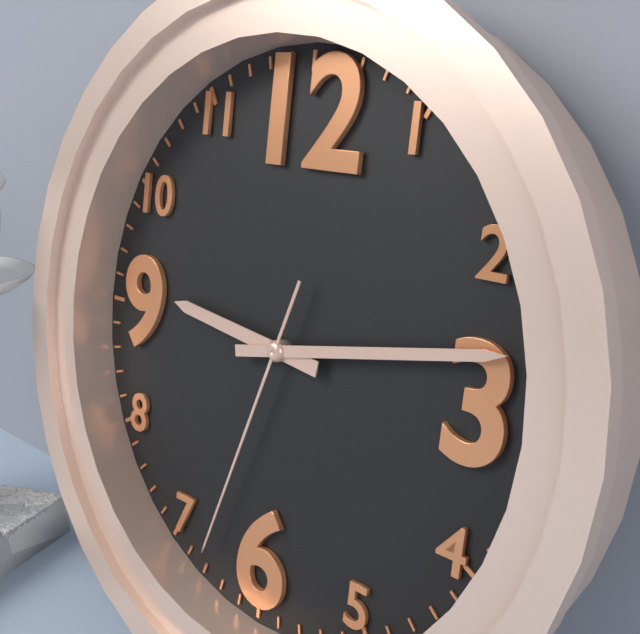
h=9 m=13 s=33
